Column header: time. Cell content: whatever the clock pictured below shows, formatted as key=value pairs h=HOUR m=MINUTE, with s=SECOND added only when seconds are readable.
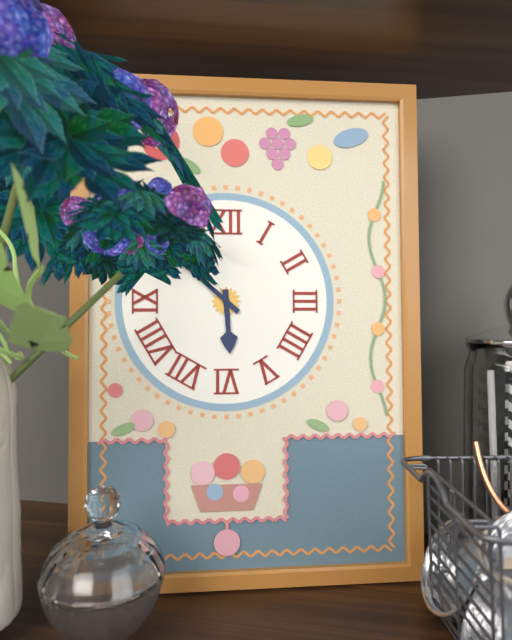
h=5 m=52
